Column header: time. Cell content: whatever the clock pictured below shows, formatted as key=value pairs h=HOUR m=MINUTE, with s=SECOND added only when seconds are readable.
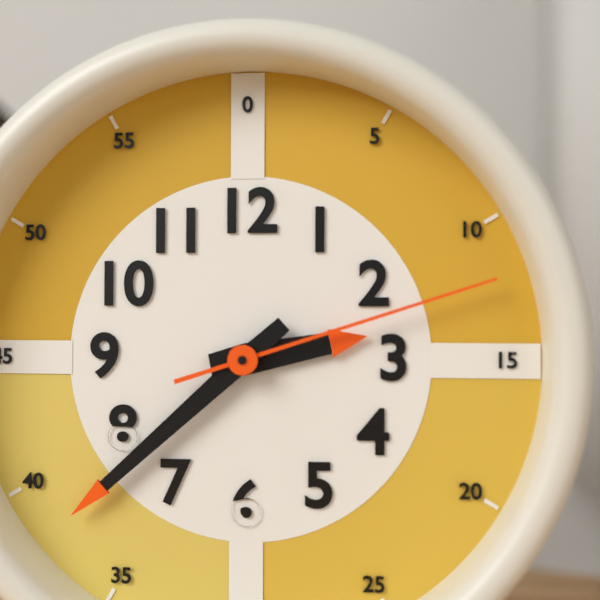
h=2 m=38 s=12
